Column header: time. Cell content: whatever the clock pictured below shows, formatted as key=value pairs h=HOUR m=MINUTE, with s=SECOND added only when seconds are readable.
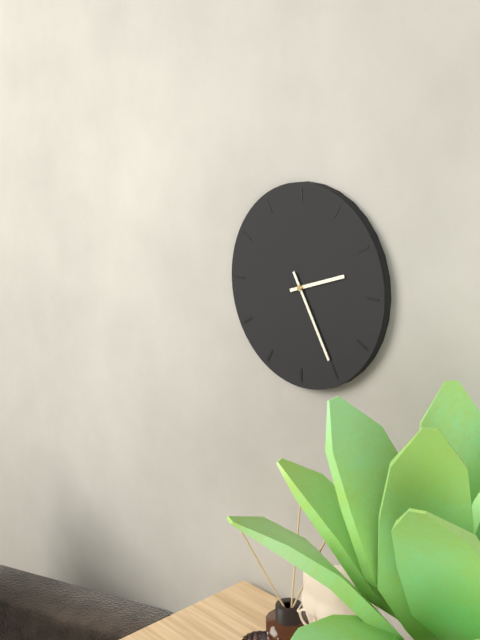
h=2 m=25
